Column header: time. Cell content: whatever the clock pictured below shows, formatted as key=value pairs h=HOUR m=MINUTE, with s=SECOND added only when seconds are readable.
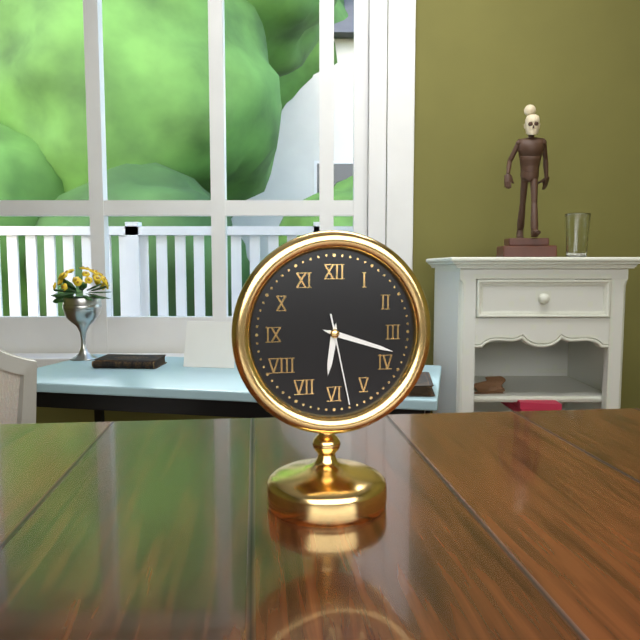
h=6 m=18 s=28
